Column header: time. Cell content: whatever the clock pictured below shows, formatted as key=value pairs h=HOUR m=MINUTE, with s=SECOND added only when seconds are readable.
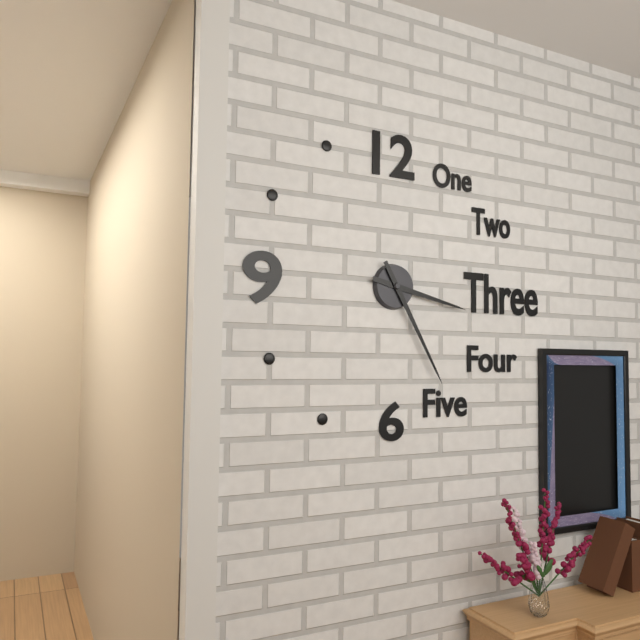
h=3 m=25
